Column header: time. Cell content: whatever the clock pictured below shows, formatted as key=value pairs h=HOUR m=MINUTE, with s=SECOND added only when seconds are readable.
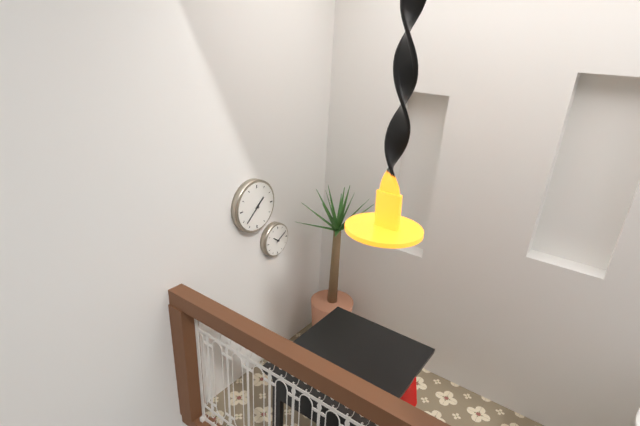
h=1 m=38
